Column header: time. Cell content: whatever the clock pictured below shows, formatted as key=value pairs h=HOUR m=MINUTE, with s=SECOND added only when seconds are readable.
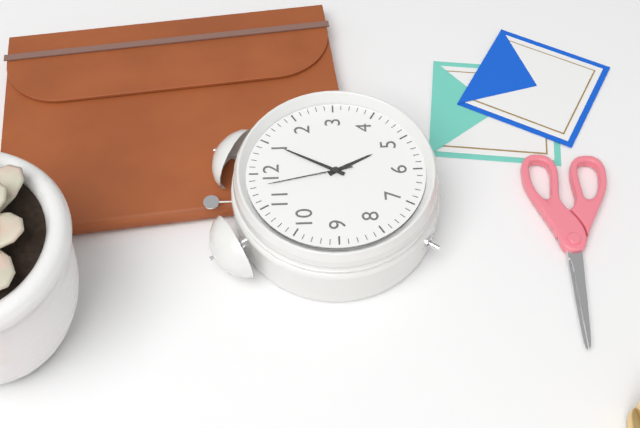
h=5 m=5 s=58
